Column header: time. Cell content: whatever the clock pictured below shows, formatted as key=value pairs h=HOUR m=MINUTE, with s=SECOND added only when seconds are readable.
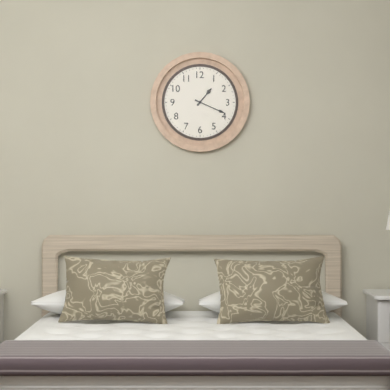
h=1 m=19
